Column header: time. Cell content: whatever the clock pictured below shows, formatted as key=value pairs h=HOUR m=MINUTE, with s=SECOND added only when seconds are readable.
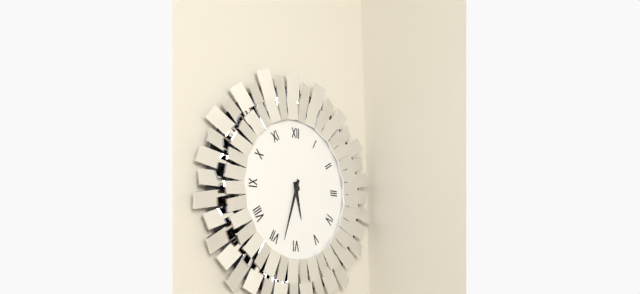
h=5 m=33
